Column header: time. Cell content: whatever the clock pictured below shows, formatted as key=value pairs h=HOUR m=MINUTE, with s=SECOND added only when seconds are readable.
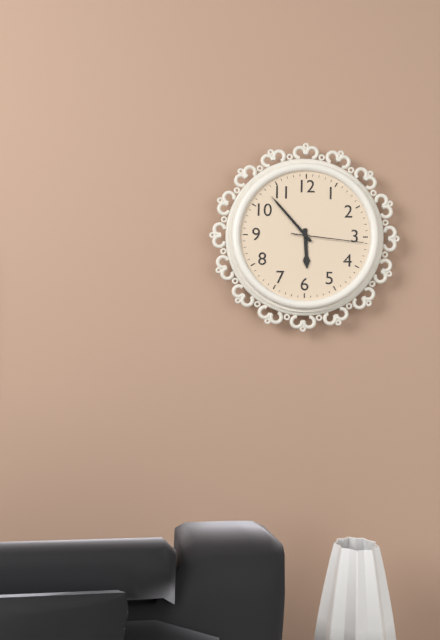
h=5 m=53 s=16
